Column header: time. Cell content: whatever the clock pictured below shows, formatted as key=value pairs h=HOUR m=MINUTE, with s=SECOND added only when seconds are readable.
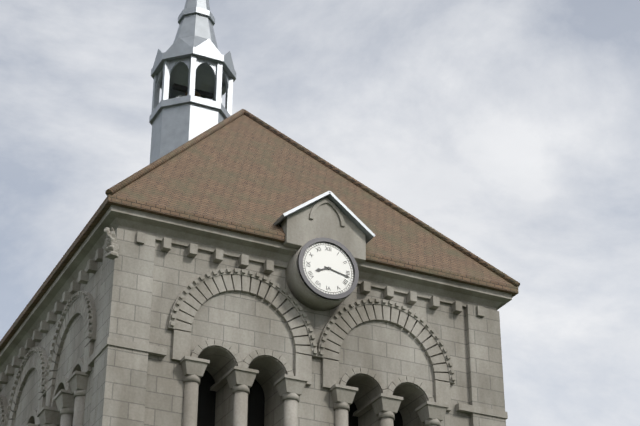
h=8 m=17
